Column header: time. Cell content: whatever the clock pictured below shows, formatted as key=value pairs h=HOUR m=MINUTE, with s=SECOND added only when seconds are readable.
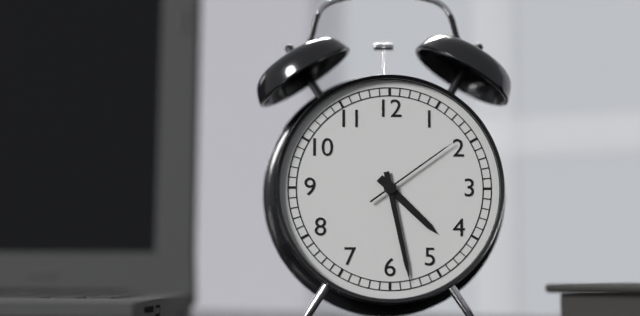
h=4 m=28 s=9
